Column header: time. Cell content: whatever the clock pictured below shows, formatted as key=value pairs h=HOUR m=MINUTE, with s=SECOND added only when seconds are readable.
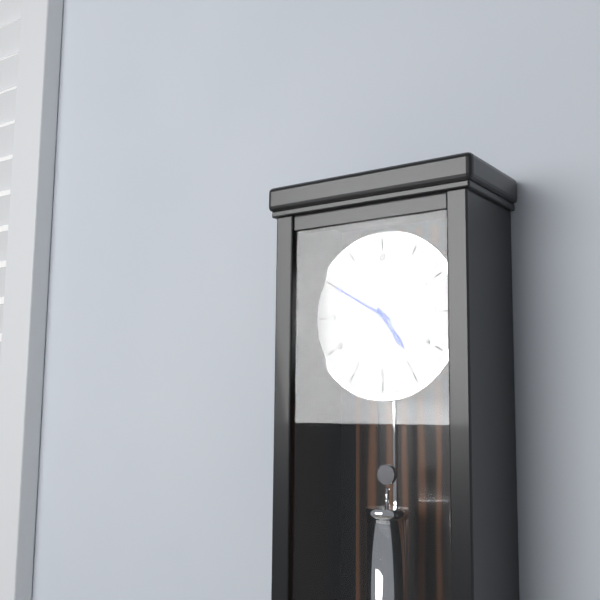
h=4 m=50
